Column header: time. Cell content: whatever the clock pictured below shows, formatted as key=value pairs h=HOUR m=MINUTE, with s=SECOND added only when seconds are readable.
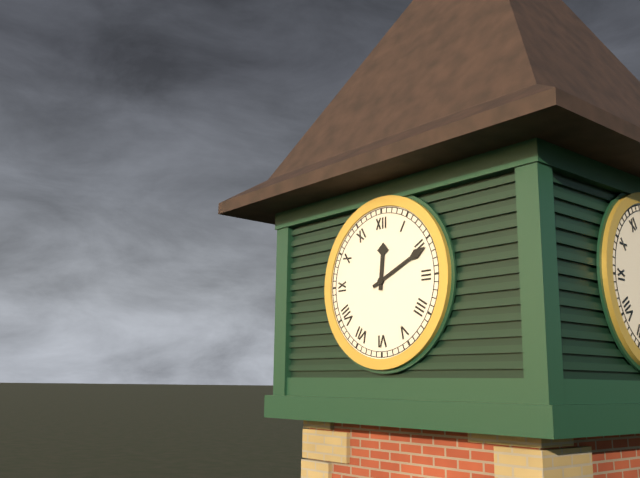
h=12 m=11
